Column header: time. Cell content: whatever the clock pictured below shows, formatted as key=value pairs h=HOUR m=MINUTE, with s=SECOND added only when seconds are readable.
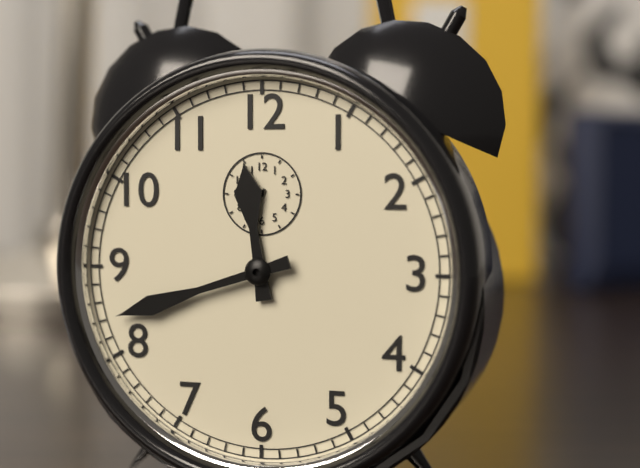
h=11 m=42
